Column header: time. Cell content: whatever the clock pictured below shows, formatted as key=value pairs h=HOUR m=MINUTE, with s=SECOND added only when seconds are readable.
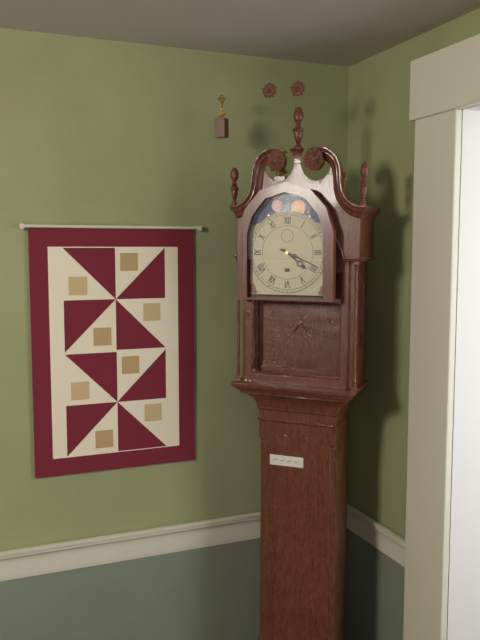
h=4 m=19
